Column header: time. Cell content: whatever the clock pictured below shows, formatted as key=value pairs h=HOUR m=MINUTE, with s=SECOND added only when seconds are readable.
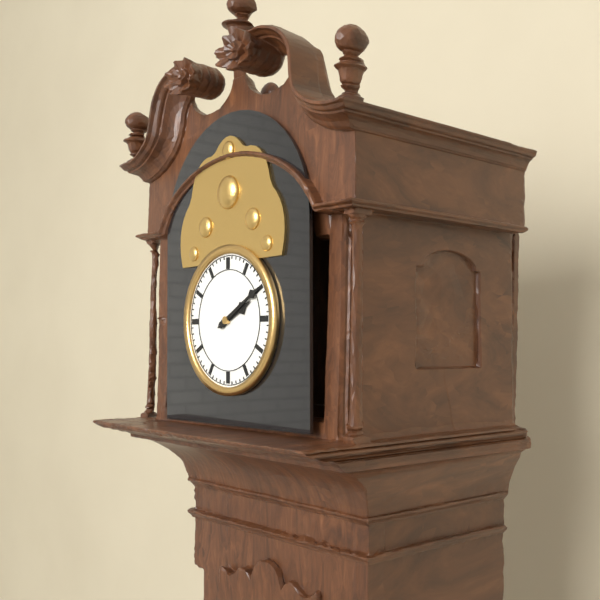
h=2 m=10
